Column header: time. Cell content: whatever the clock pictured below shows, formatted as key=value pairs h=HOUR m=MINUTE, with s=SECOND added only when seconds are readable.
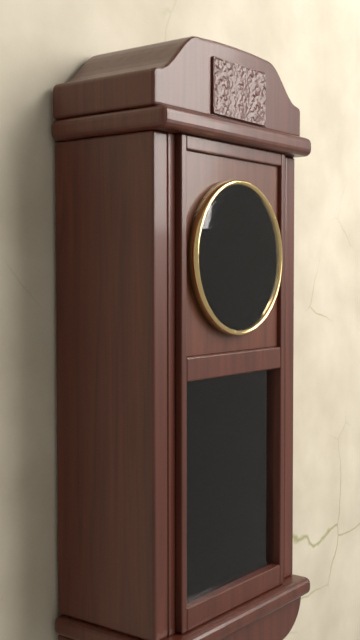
h=1 m=58
